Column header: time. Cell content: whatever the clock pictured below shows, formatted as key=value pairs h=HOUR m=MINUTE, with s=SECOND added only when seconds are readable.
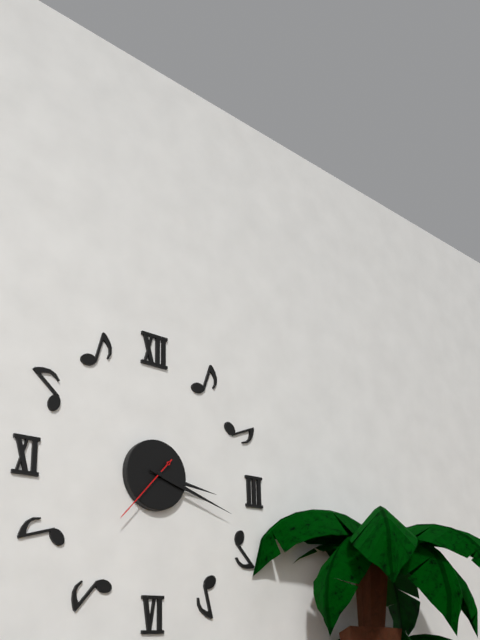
h=3 m=18 s=37
